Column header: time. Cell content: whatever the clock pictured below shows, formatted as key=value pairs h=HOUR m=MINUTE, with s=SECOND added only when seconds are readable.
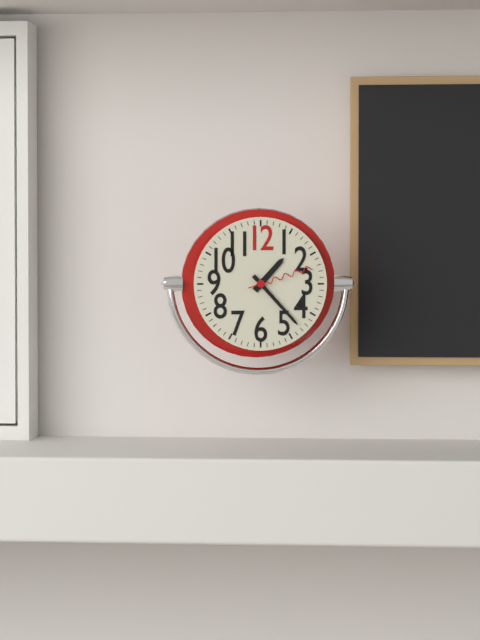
h=1 m=23 s=12
